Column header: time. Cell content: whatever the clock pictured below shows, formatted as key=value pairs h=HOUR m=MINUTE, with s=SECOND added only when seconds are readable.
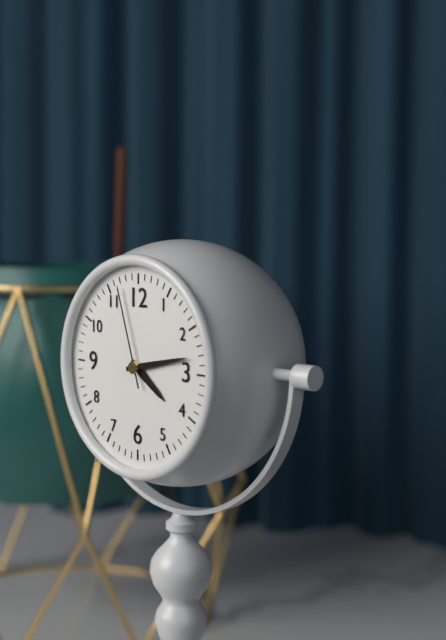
h=4 m=13 s=57
